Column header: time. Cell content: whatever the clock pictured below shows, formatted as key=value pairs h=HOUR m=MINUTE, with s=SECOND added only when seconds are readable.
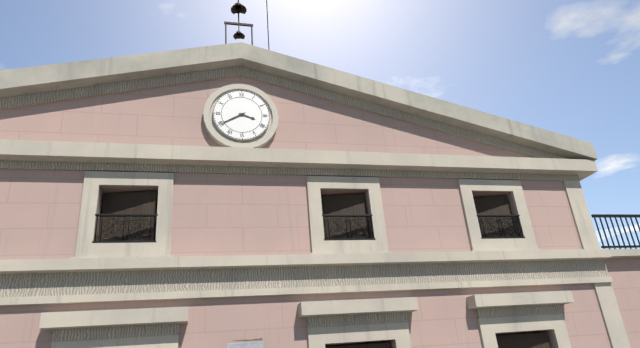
h=3 m=40
